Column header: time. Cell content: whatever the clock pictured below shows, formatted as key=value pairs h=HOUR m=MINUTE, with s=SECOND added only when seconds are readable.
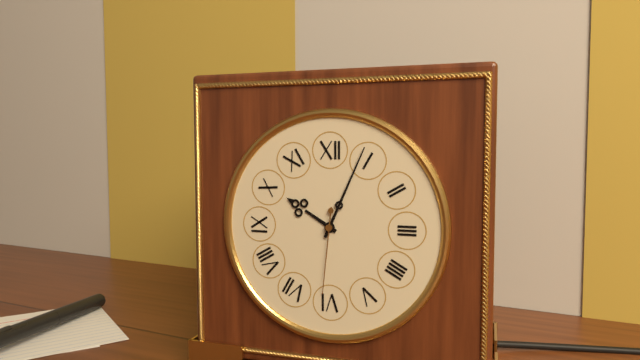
h=10 m=4 s=31
